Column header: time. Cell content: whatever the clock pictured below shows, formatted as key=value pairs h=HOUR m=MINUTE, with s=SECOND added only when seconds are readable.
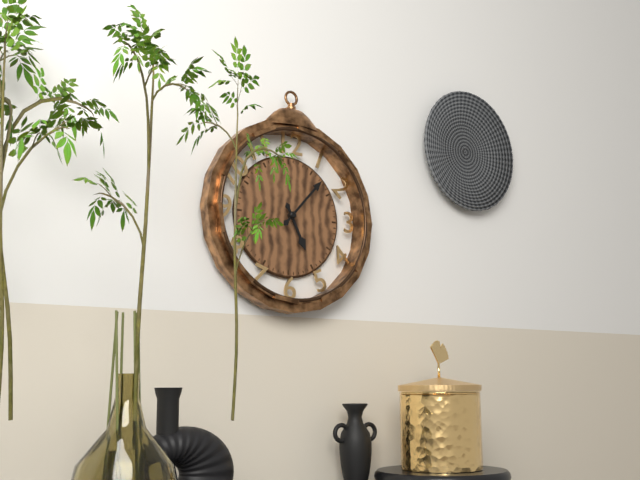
h=5 m=7
